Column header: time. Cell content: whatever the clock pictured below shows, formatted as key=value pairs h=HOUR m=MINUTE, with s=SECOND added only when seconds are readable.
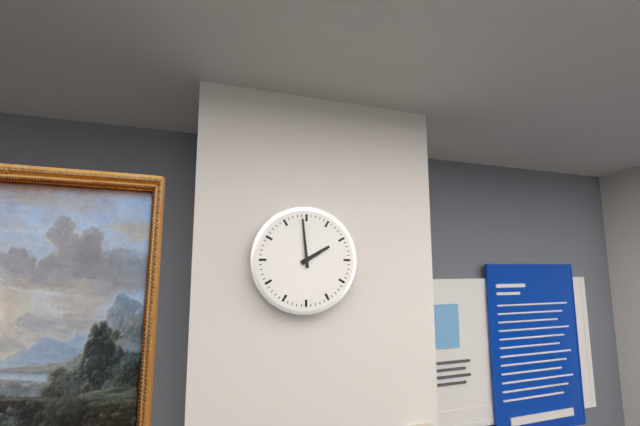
h=1 m=59
